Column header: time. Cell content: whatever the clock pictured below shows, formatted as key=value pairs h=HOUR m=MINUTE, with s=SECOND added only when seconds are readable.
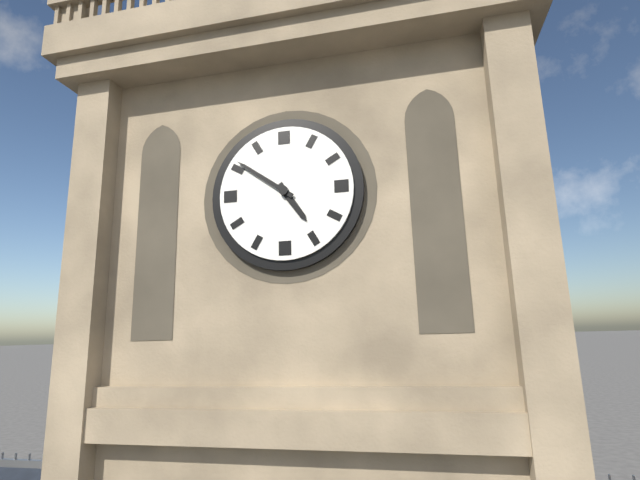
h=4 m=51
